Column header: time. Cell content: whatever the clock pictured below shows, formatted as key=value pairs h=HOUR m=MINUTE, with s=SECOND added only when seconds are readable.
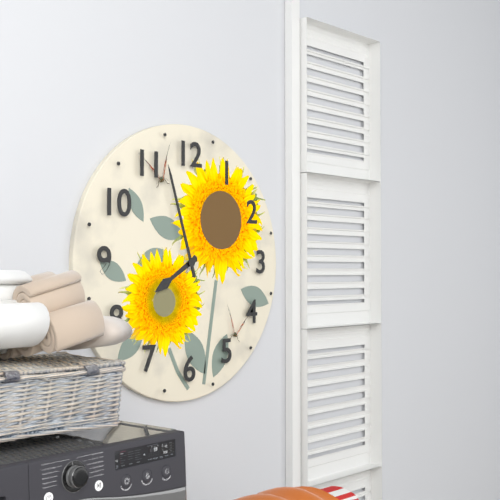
h=7 m=57
